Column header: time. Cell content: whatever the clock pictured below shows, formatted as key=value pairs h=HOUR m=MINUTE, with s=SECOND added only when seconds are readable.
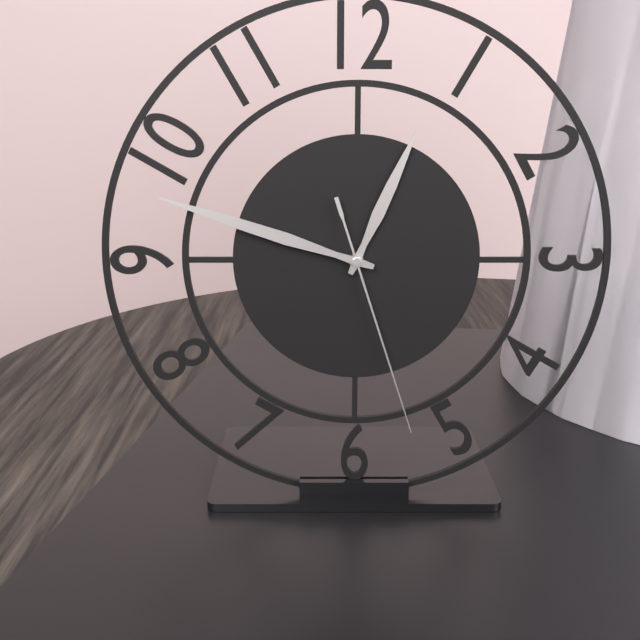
h=12 m=48 s=27
